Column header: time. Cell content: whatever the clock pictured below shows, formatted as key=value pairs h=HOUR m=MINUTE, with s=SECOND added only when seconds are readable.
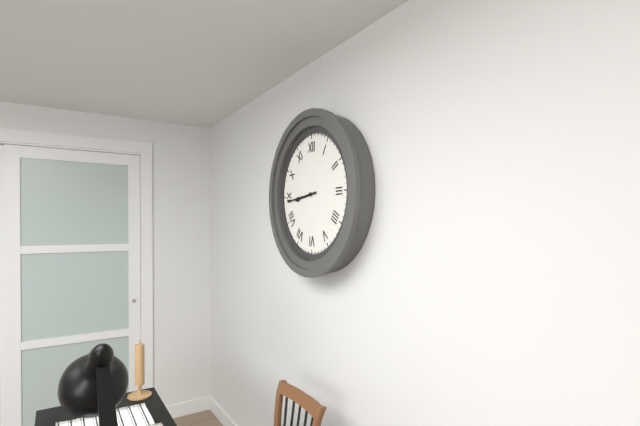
h=8 m=44
